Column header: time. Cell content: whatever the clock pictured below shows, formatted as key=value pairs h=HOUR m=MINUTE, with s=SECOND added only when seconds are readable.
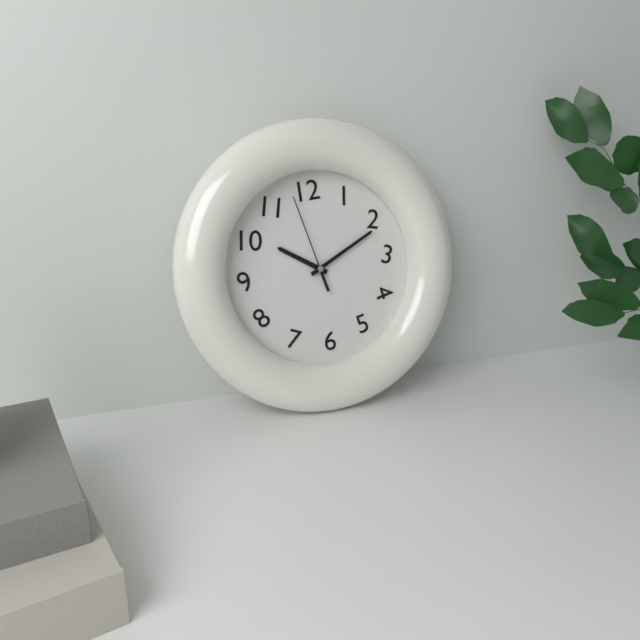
h=10 m=11 s=58
